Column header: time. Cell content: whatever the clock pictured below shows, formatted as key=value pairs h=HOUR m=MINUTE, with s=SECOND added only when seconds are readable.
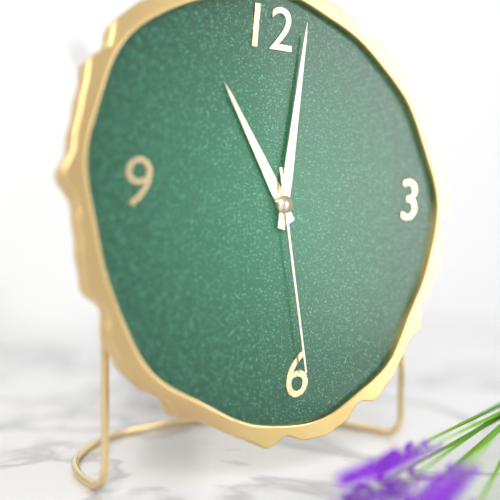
h=11 m=2 s=29
